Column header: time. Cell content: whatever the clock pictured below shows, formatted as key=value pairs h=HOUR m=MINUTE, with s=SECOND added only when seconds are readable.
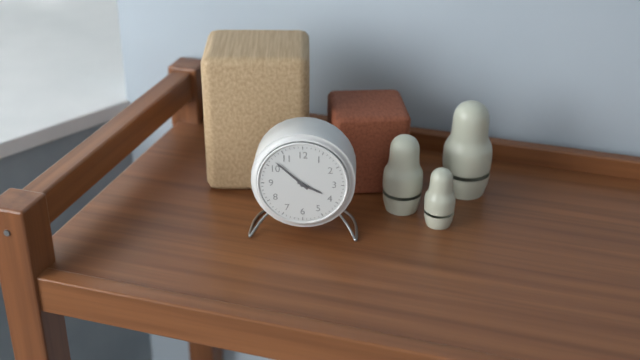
h=3 m=52
